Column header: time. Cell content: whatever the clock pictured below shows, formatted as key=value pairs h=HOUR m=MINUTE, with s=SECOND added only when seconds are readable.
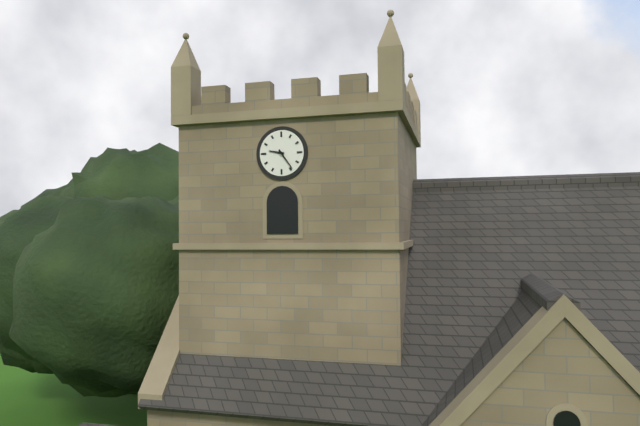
h=9 m=24
